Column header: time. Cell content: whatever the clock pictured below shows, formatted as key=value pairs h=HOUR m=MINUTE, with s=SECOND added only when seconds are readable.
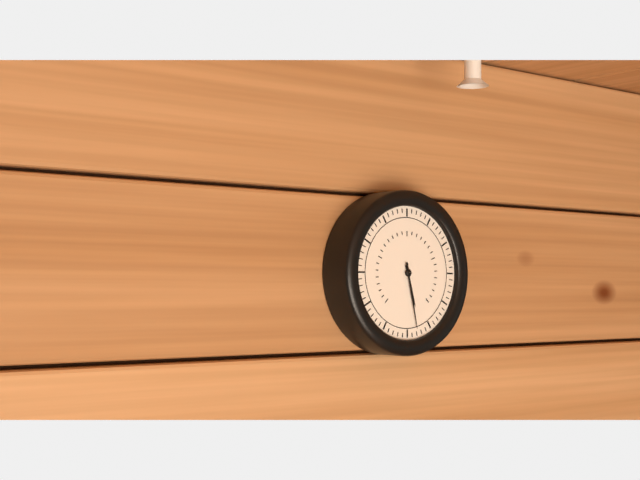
h=5 m=28
